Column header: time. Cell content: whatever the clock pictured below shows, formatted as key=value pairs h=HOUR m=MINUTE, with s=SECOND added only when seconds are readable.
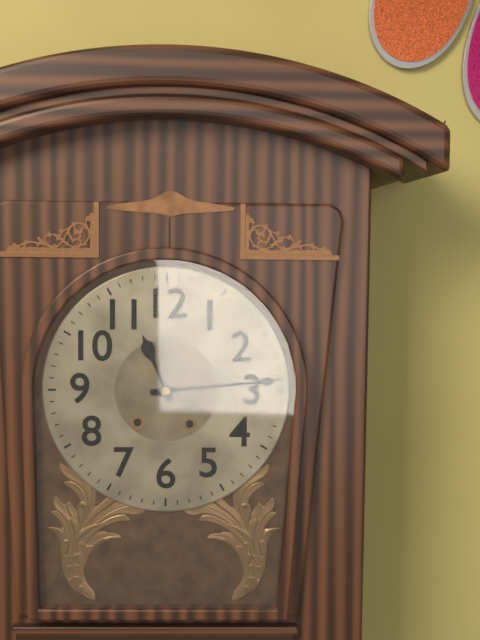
h=11 m=14
